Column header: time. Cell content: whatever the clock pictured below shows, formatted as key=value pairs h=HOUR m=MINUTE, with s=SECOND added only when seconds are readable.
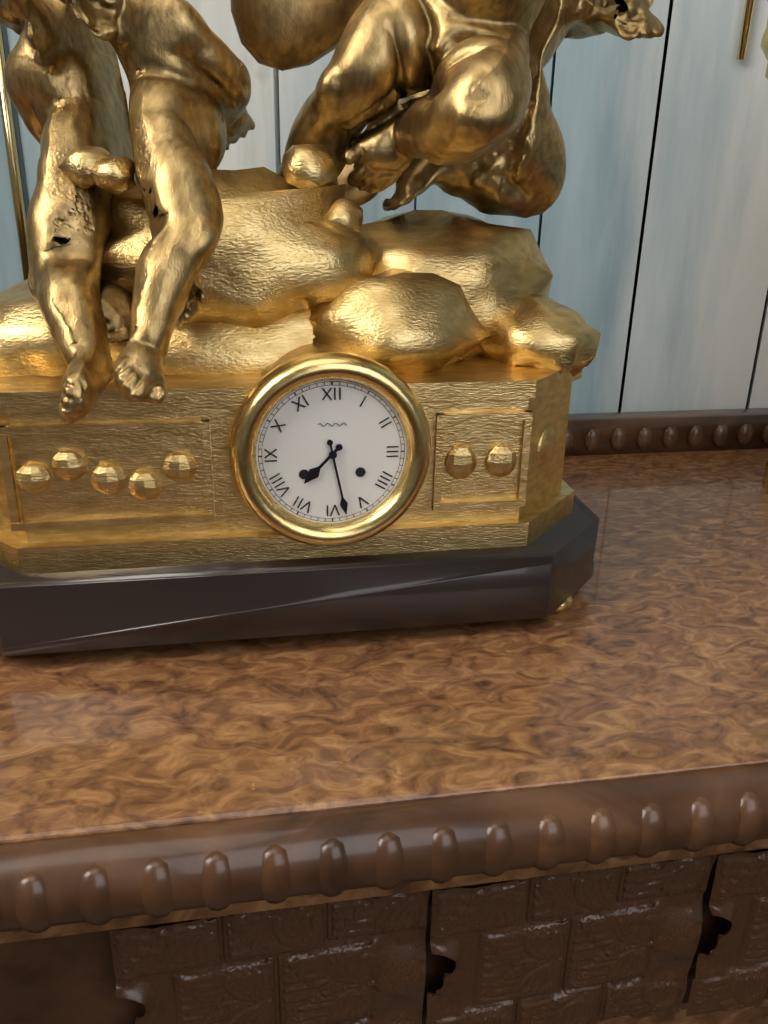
h=7 m=28
